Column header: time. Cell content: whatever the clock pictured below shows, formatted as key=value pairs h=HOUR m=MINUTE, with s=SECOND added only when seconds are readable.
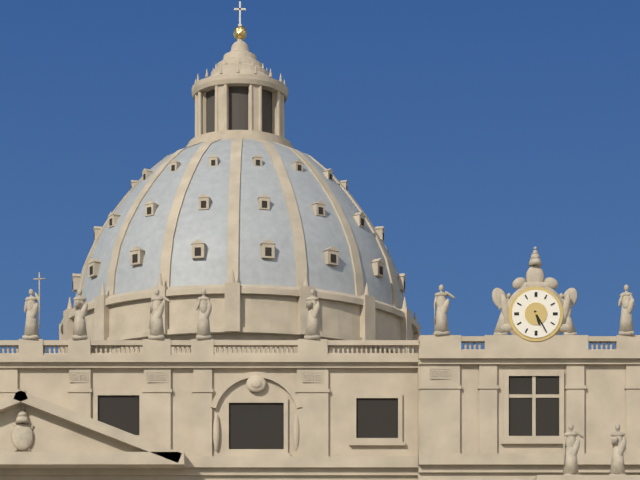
h=5 m=25
